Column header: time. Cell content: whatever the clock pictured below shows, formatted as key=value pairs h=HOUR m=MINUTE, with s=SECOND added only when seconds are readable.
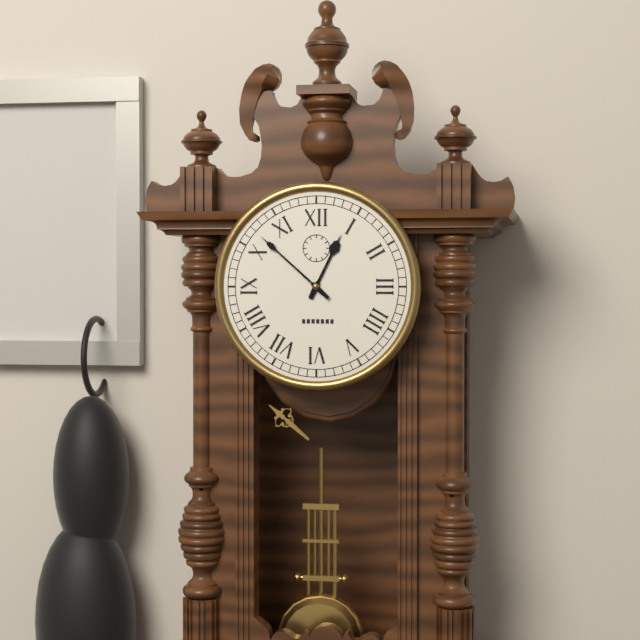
h=12 m=52
